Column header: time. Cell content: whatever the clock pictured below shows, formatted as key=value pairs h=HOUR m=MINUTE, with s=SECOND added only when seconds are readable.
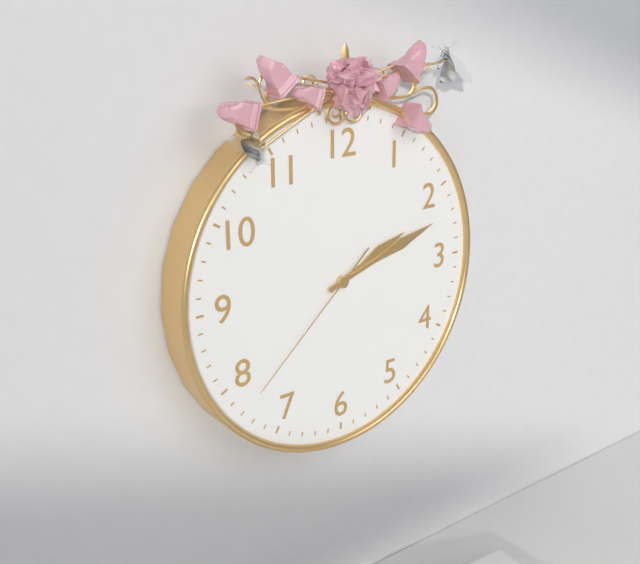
h=2 m=12 s=38
